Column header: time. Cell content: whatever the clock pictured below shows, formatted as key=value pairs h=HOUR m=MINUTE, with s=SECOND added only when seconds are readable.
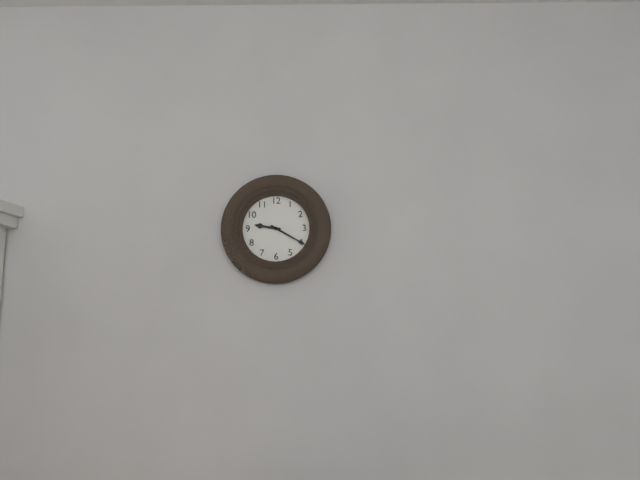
h=9 m=20
